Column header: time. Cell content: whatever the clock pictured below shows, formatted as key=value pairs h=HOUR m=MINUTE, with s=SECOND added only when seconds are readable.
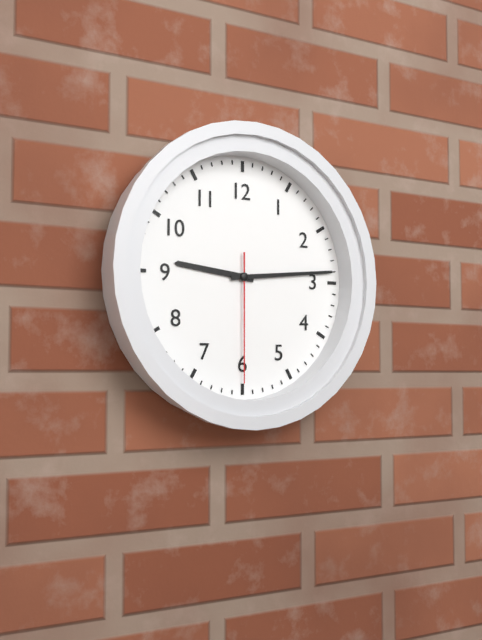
h=9 m=14 s=30
